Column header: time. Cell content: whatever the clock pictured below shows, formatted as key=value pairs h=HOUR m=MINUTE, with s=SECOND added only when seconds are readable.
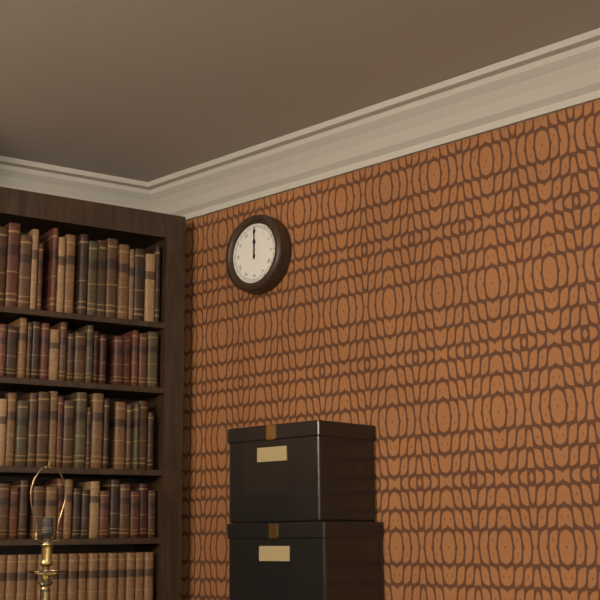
h=12 m=0
